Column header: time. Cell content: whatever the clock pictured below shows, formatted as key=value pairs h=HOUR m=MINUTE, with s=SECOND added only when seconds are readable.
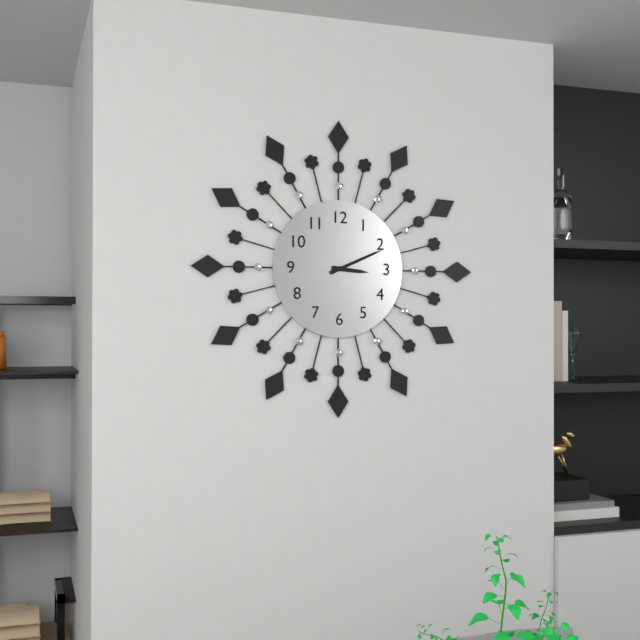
h=3 m=11
